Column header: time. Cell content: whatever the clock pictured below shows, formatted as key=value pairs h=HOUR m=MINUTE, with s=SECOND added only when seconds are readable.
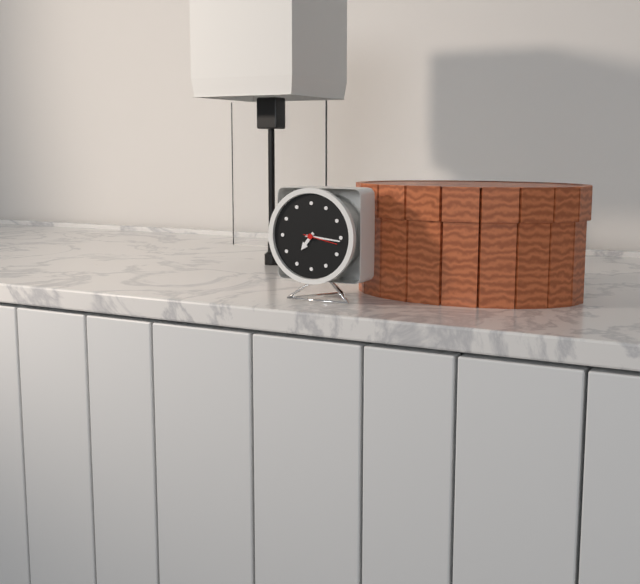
h=7 m=16
